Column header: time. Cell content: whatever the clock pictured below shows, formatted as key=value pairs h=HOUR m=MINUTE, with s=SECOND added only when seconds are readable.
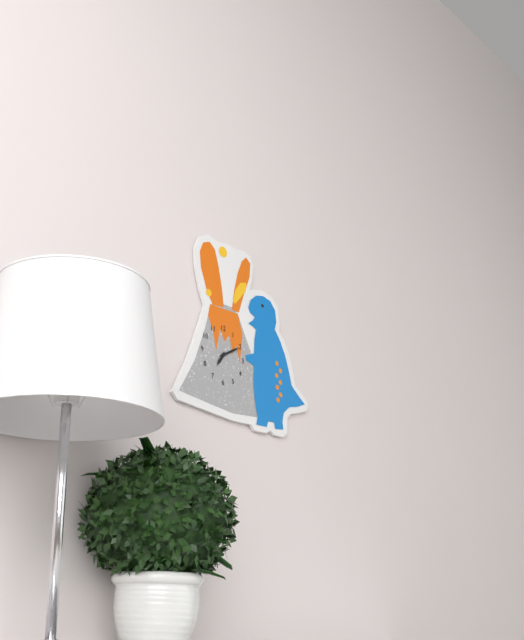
h=7 m=10
